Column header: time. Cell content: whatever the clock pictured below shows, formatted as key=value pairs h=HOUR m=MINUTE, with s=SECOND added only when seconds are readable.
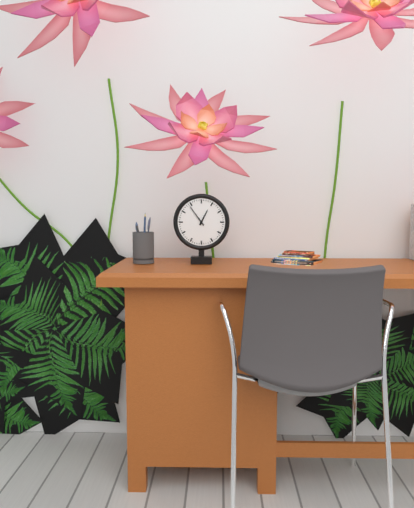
h=12 m=54
